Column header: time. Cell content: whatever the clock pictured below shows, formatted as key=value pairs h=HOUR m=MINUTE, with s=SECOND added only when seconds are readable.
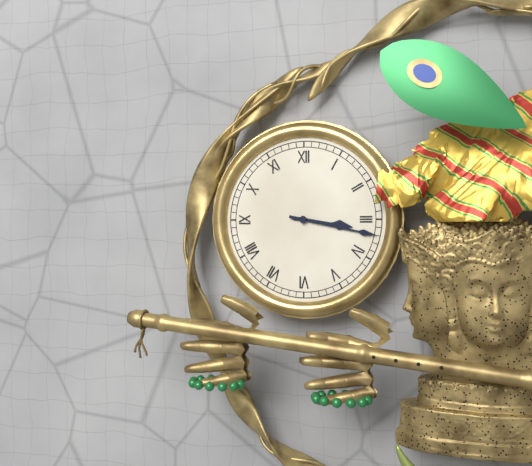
h=3 m=17
